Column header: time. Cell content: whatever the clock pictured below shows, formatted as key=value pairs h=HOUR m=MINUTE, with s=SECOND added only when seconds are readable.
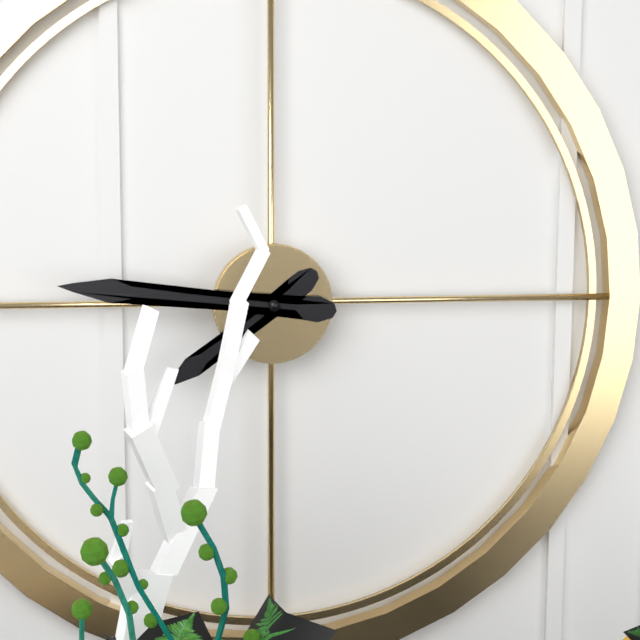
h=7 m=46
